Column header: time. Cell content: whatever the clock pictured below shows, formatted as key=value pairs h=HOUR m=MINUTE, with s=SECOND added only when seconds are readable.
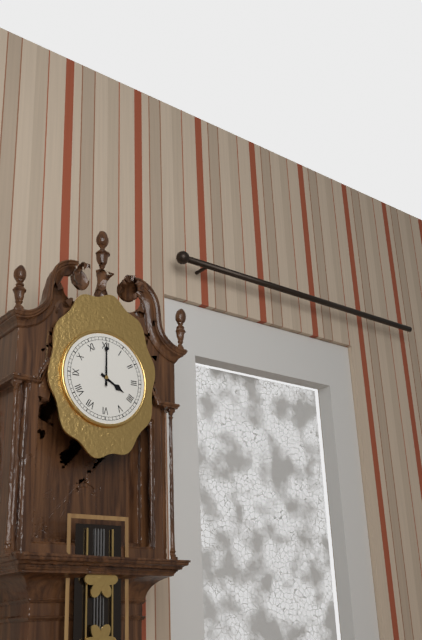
h=4 m=0
